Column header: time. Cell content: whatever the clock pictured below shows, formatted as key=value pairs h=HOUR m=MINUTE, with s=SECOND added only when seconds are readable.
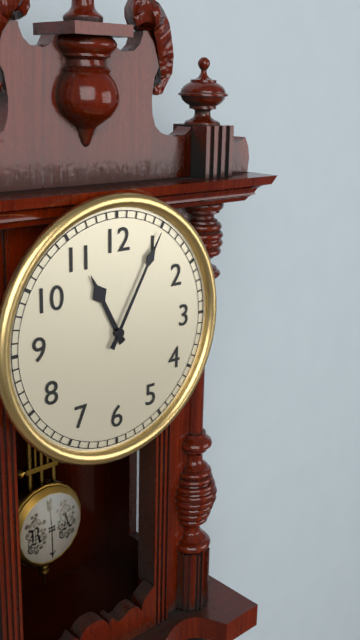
h=11 m=5
